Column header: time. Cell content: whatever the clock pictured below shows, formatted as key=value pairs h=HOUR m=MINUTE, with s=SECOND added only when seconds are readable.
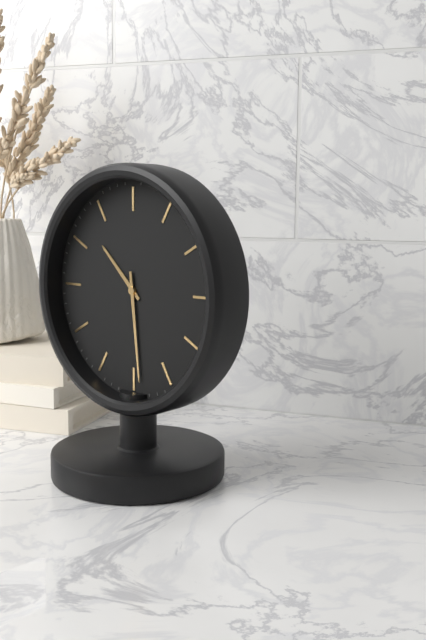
h=10 m=29
